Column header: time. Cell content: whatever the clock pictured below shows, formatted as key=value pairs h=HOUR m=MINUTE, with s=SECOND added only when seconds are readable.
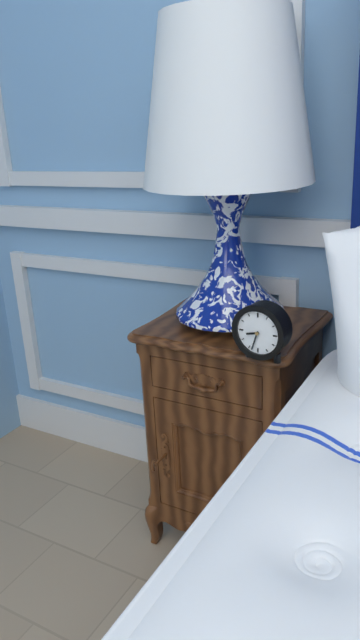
h=8 m=33
